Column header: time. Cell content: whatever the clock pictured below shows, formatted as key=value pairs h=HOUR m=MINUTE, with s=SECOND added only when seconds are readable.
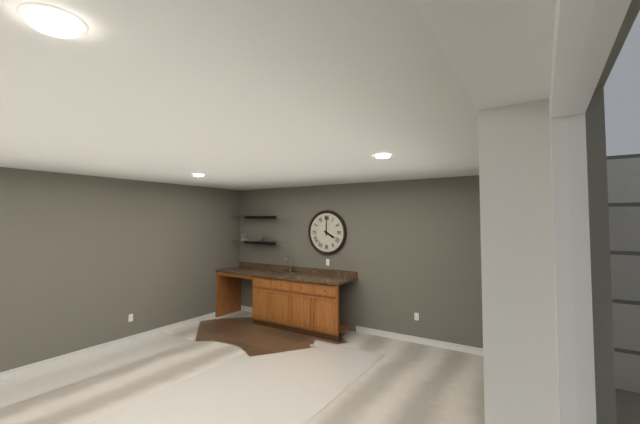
h=4 m=0
